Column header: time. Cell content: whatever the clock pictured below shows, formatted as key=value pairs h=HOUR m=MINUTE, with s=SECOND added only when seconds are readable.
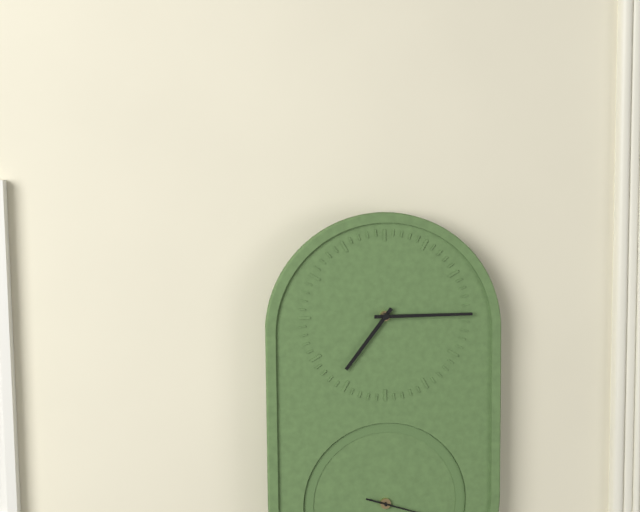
h=7 m=15
